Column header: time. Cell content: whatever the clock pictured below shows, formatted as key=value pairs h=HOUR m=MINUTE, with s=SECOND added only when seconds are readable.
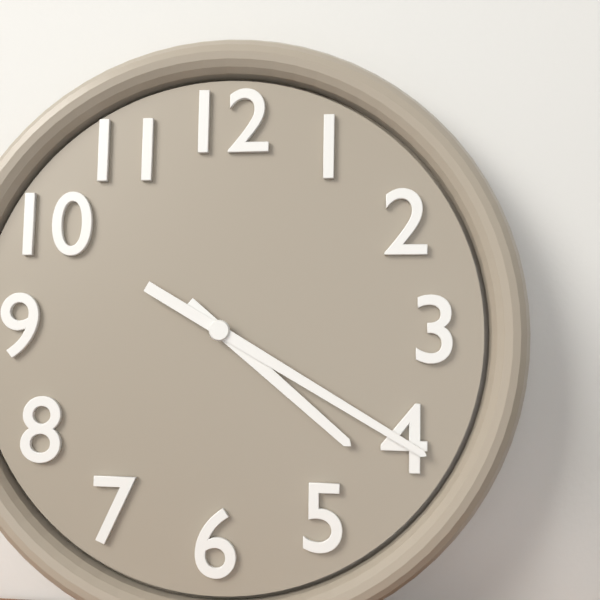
h=4 m=20
